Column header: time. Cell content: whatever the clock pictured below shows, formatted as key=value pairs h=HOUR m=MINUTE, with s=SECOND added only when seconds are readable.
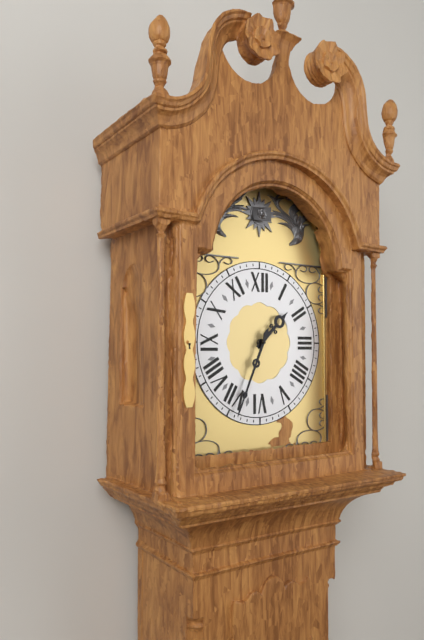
h=1 m=34
